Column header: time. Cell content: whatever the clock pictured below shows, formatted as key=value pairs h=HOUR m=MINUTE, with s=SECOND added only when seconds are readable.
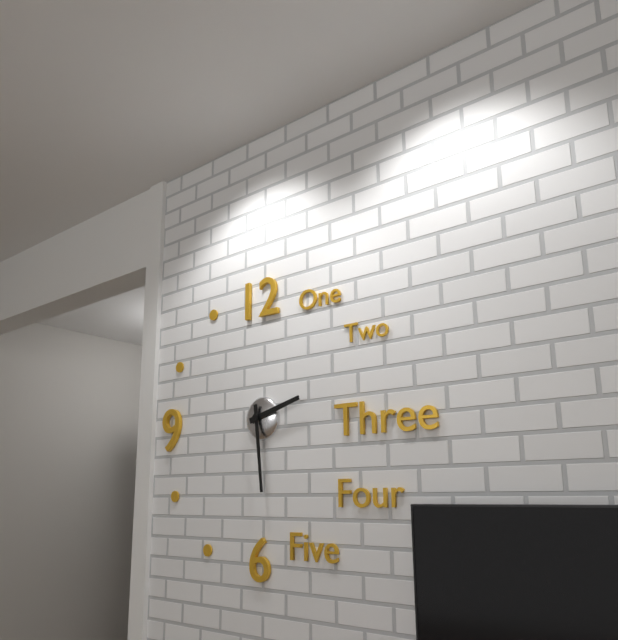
h=2 m=29
